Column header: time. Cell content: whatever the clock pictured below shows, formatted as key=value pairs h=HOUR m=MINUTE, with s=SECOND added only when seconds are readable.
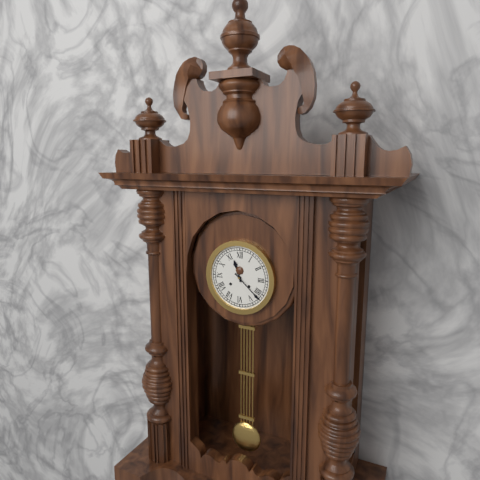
h=11 m=22
